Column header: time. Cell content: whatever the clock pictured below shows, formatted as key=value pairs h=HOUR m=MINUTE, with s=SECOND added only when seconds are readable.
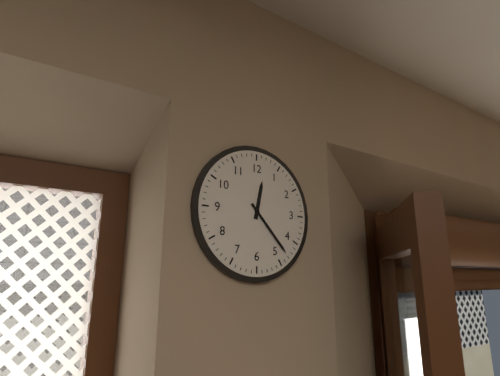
h=12 m=23
